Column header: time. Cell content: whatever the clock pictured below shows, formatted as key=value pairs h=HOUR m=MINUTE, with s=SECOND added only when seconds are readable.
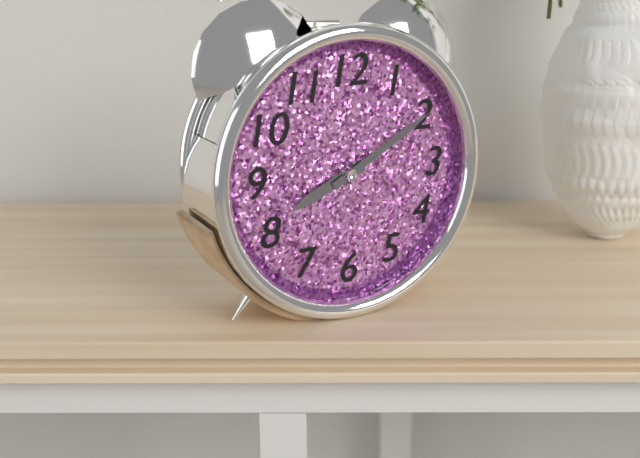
h=8 m=10
